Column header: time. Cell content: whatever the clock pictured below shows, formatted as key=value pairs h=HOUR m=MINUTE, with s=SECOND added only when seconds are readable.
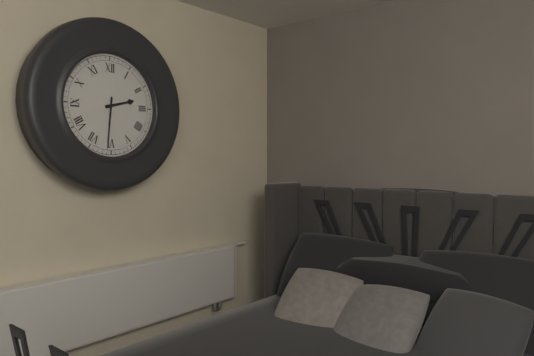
h=2 m=31
